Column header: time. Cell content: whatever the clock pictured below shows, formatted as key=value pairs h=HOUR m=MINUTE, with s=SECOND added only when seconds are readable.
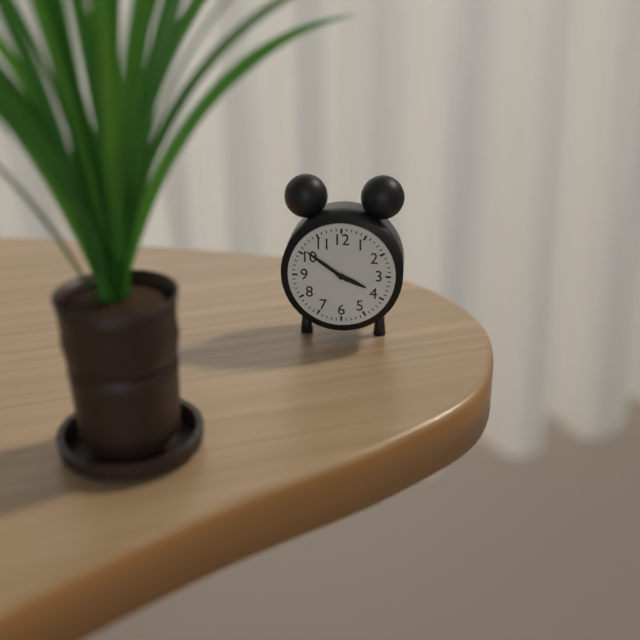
h=3 m=51
